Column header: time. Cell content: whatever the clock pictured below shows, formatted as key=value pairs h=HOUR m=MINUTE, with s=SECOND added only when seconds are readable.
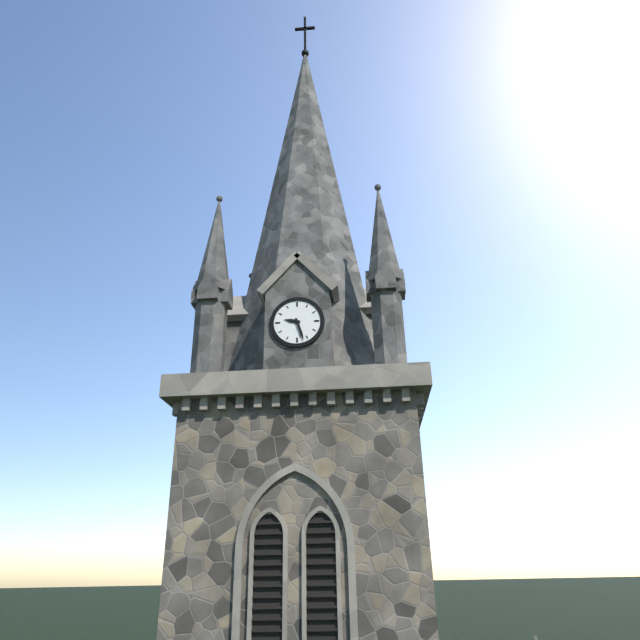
h=9 m=27
